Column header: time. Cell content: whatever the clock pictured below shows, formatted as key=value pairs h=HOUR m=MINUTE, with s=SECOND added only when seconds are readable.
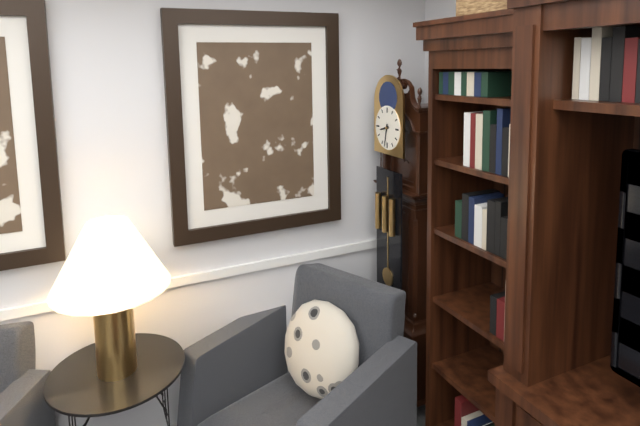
h=8 m=32
